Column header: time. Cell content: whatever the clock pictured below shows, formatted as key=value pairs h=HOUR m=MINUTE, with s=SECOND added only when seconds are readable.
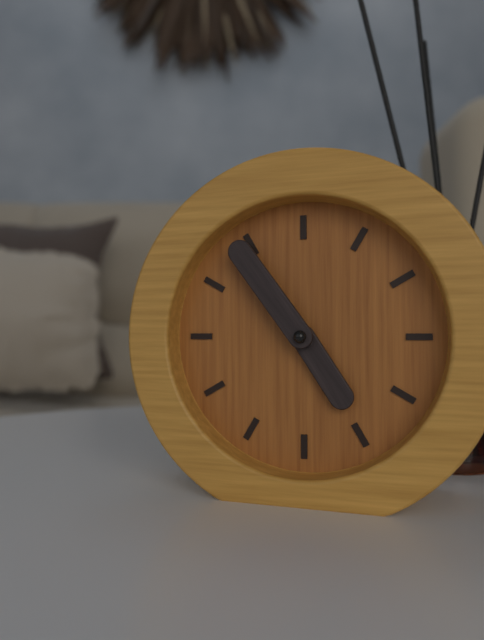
h=4 m=54
